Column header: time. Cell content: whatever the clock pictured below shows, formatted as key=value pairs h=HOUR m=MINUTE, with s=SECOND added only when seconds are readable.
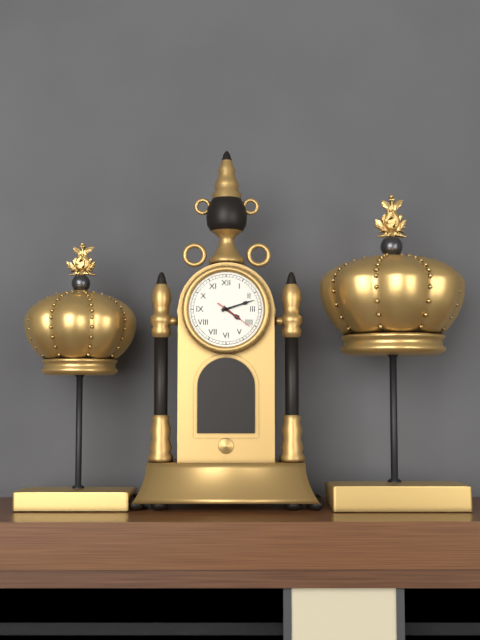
h=4 m=12
